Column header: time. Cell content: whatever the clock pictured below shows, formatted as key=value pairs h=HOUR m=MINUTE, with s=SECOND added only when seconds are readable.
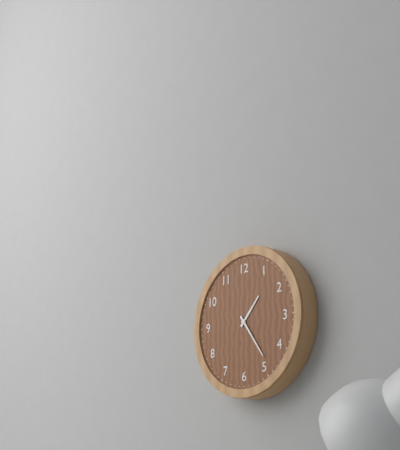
h=1 m=24
